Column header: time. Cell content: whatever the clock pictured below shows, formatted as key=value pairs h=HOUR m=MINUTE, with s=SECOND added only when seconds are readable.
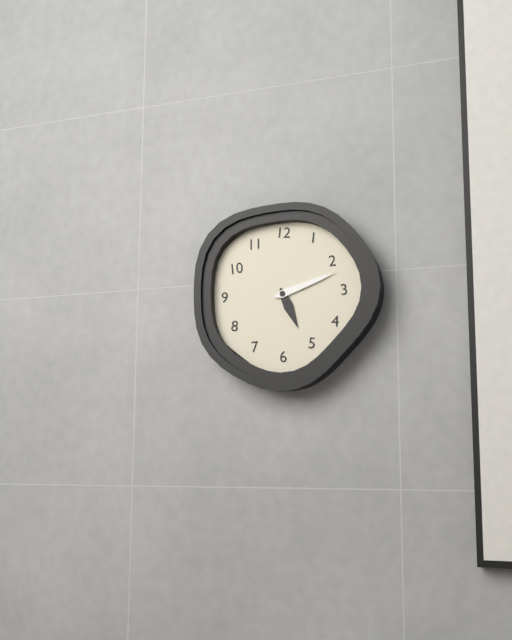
h=5 m=12
